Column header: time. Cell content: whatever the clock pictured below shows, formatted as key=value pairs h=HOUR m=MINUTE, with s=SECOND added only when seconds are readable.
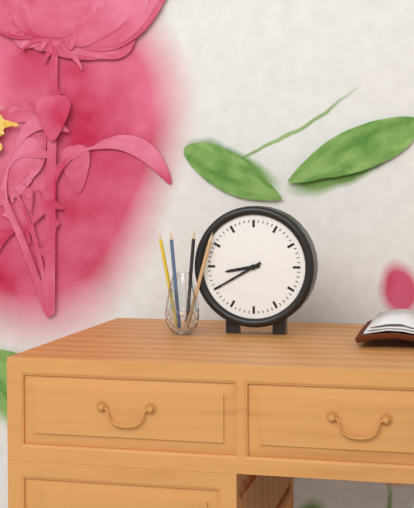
h=8 m=40
